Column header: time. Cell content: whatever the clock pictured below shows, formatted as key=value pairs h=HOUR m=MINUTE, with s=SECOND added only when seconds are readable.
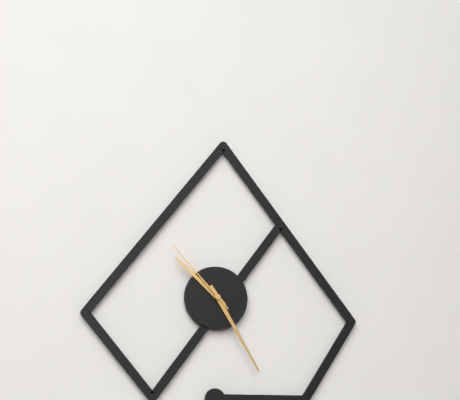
h=10 m=25 s=53
